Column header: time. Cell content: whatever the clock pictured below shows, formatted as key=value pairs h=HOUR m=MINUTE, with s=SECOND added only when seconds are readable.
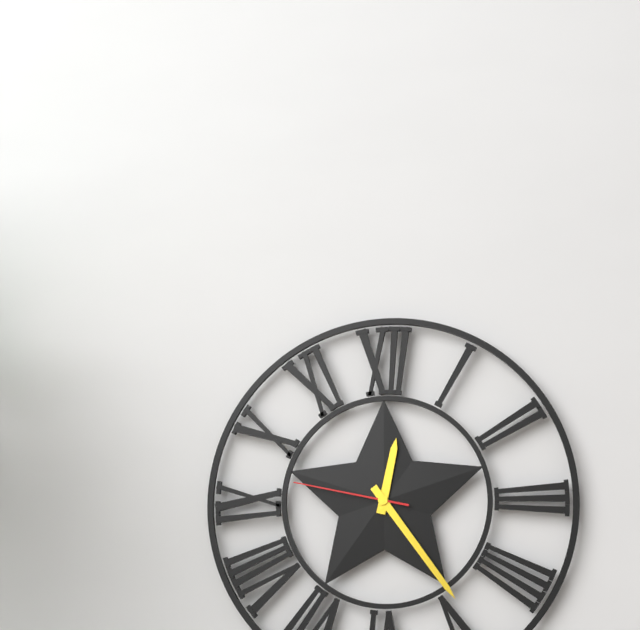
h=12 m=24 s=47
